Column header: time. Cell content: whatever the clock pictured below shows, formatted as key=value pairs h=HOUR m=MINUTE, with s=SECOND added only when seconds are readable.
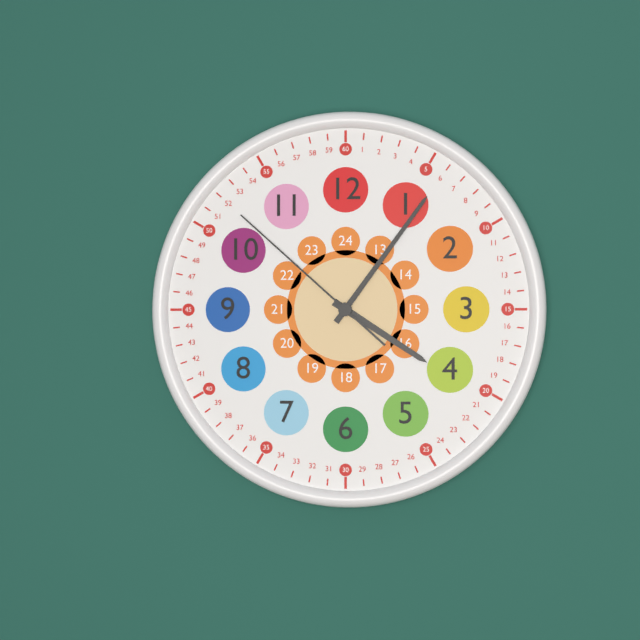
h=4 m=6 s=52
